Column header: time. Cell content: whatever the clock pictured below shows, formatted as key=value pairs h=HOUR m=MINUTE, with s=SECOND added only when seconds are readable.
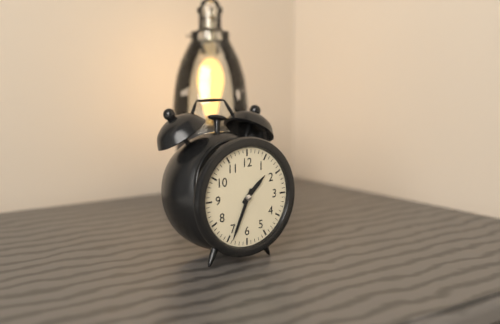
h=1 m=34
